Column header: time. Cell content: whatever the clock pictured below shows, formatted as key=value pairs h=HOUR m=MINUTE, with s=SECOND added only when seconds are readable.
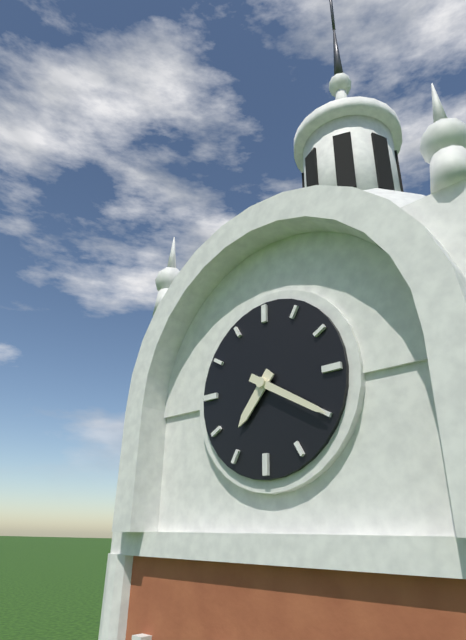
h=7 m=20
